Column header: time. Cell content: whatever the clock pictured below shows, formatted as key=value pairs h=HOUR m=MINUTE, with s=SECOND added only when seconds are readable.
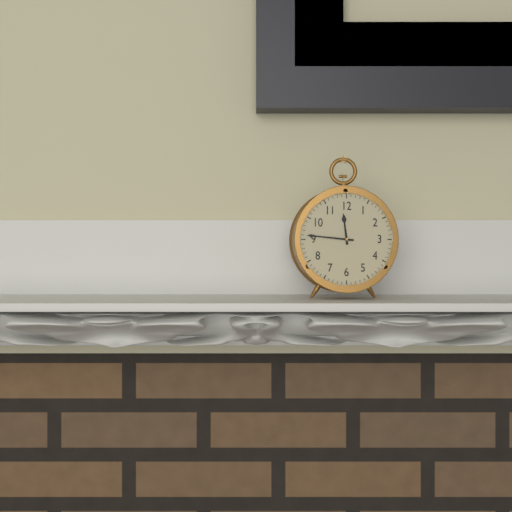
h=11 m=46
